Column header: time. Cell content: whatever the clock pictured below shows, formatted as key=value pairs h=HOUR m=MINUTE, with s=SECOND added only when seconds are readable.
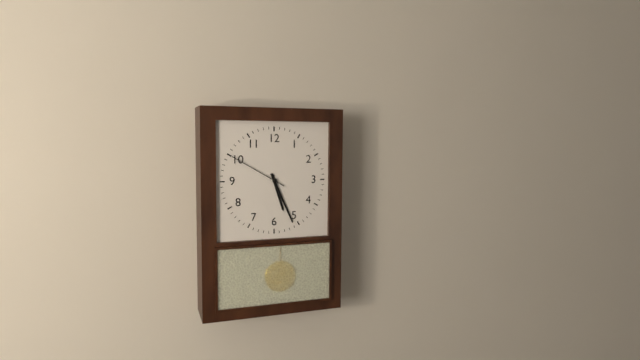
h=5 m=26 s=50
